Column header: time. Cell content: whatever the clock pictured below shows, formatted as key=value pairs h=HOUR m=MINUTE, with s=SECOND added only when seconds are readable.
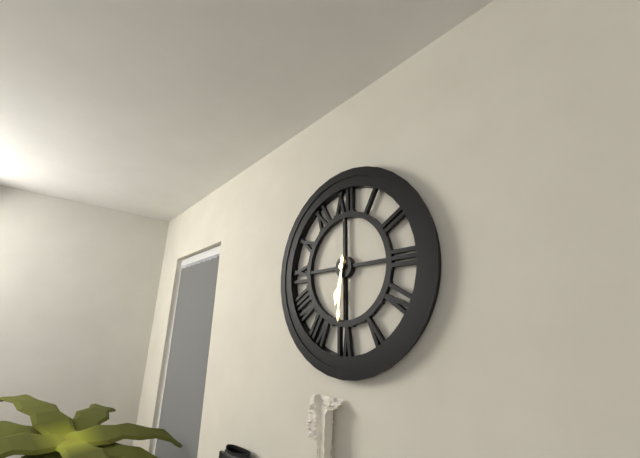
h=6 m=31
